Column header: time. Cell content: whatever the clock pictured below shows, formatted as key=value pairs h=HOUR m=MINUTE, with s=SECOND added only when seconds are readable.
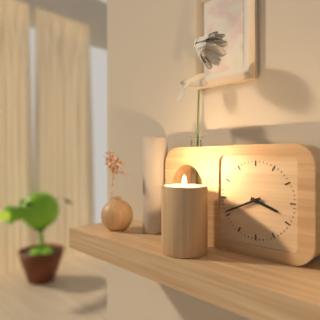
h=3 m=41
